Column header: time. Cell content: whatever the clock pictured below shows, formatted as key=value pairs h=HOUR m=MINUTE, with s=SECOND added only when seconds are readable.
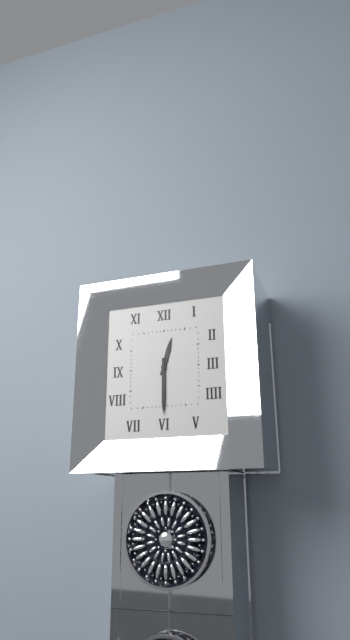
h=12 m=30
